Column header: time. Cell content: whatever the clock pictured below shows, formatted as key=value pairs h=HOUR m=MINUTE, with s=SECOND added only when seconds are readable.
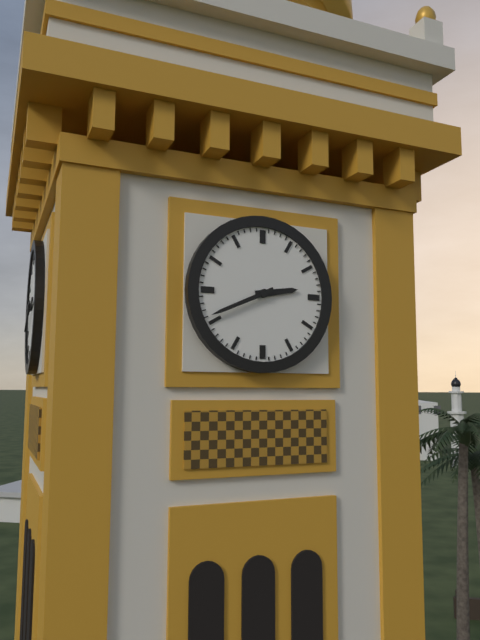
h=2 m=41
